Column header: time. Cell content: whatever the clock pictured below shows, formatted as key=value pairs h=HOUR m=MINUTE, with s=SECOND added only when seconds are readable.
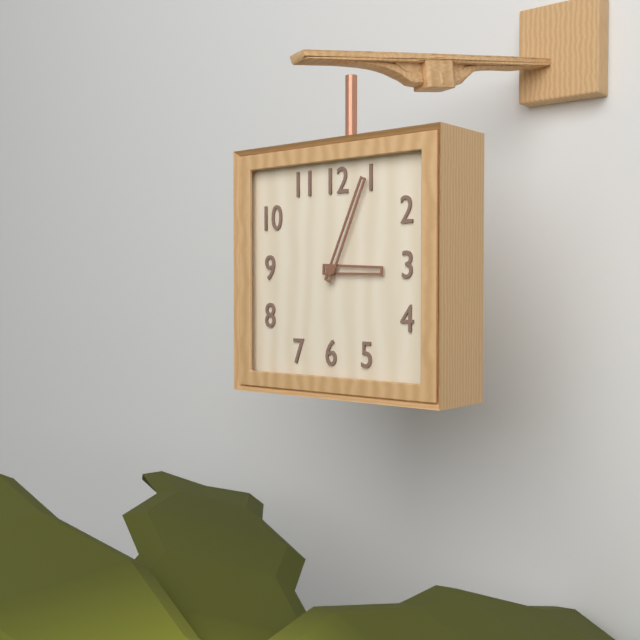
h=3 m=4
